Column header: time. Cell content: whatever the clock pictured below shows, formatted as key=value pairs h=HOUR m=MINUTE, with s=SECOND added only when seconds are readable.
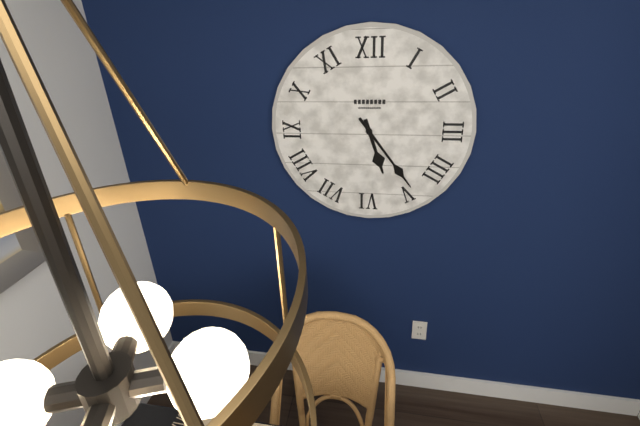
h=5 m=24
